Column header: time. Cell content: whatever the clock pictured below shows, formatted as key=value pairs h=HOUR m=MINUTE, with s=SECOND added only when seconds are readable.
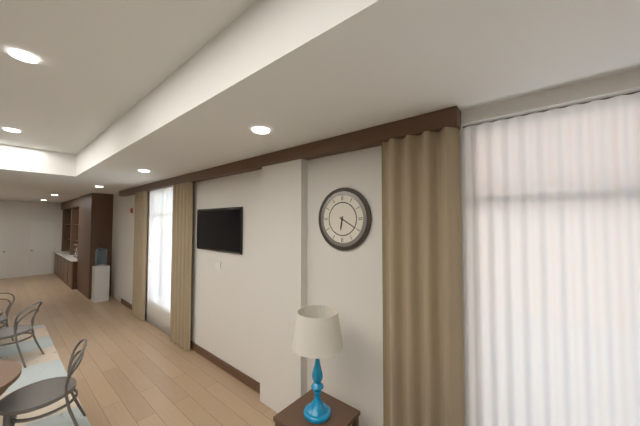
h=6 m=20
